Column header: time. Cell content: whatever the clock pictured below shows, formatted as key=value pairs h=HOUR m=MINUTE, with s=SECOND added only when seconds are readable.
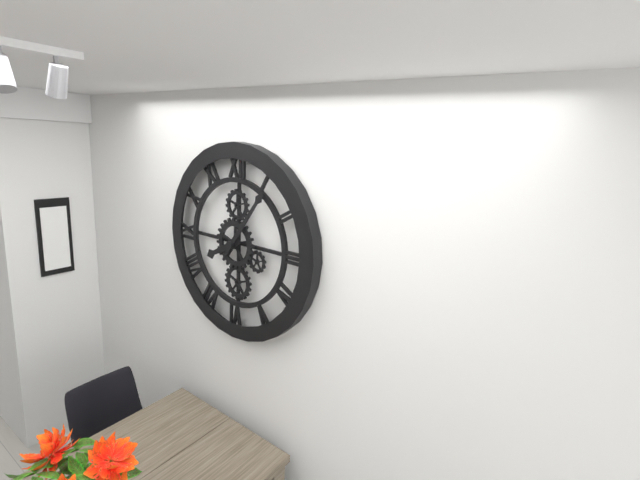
h=8 m=6
